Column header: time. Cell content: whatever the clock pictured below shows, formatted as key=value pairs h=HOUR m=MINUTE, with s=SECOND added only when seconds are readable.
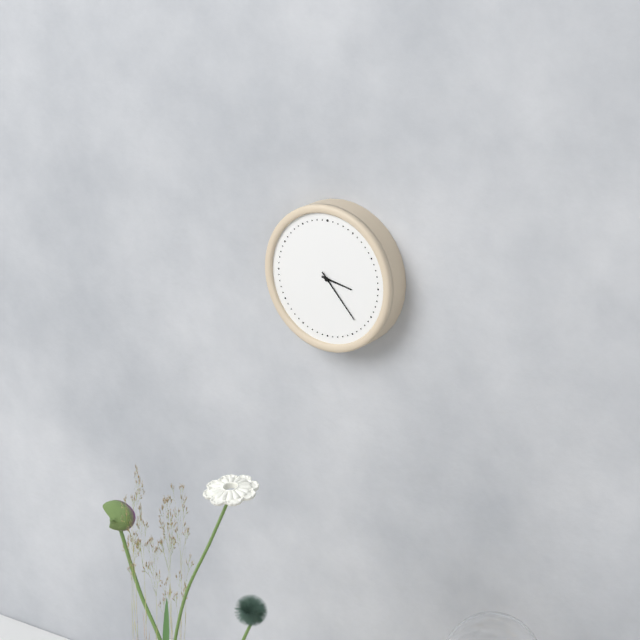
h=3 m=23
